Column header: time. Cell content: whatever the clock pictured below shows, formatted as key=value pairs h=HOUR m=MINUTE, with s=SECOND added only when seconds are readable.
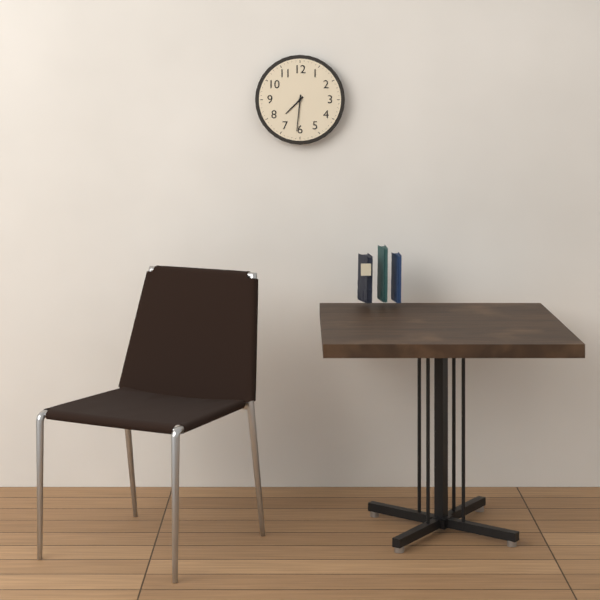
h=7 m=31
